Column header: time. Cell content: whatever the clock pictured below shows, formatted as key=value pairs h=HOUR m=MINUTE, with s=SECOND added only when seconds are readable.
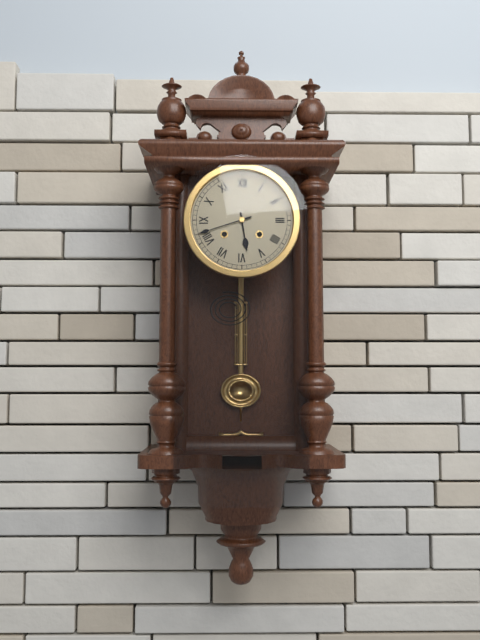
h=5 m=42
